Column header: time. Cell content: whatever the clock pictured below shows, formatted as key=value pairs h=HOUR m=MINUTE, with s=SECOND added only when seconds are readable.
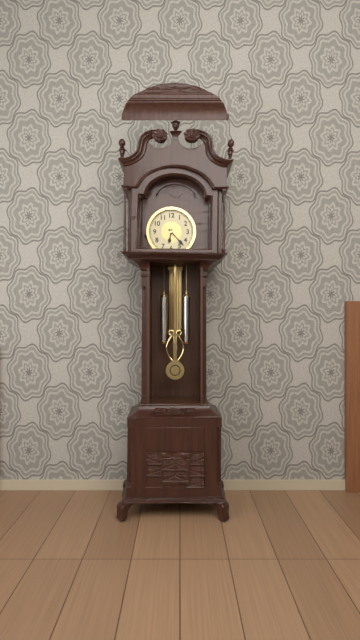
h=6 m=23
